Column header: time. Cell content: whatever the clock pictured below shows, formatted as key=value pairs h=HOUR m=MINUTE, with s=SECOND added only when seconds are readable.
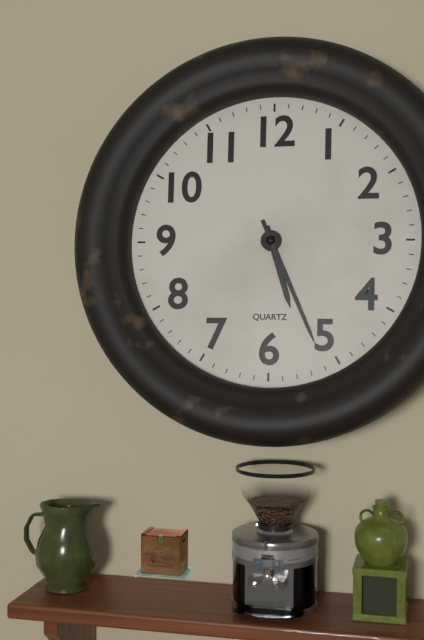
h=5 m=26
